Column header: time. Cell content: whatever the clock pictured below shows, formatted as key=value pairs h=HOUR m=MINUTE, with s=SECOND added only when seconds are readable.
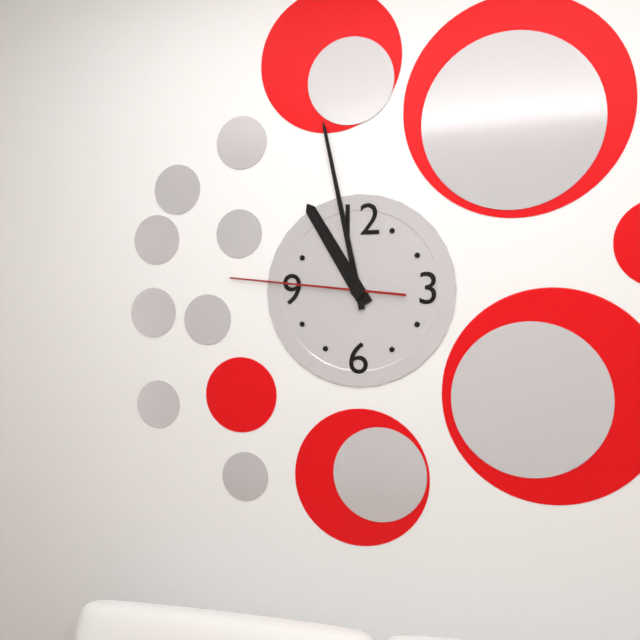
h=10 m=58 s=46
